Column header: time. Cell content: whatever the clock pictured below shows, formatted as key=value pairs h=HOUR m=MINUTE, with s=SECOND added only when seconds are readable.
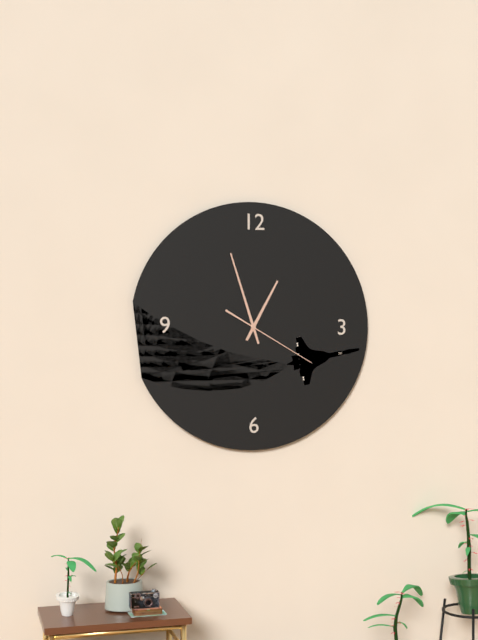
h=12 m=57 s=20
